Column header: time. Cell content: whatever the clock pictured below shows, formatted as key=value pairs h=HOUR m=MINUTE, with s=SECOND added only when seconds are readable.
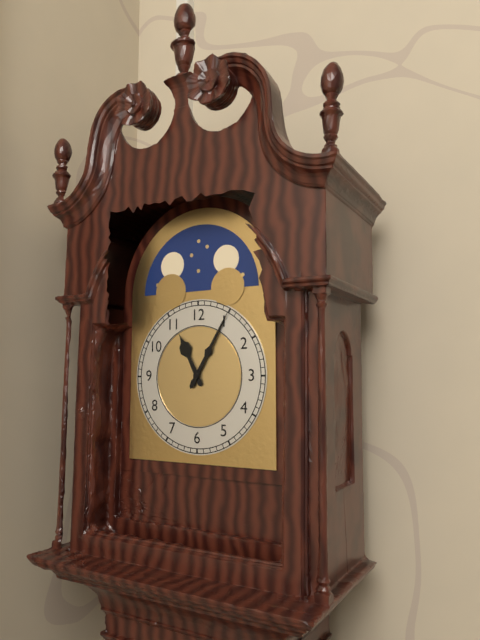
h=11 m=5
